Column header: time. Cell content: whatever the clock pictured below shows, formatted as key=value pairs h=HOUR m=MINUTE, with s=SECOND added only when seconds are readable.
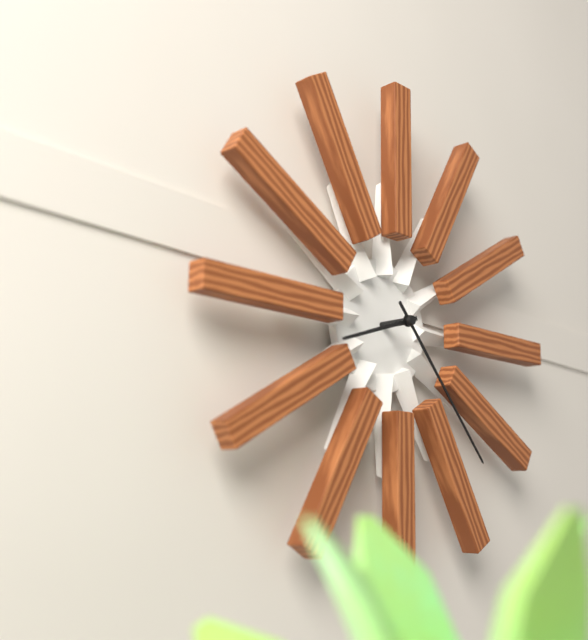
h=8 m=23
